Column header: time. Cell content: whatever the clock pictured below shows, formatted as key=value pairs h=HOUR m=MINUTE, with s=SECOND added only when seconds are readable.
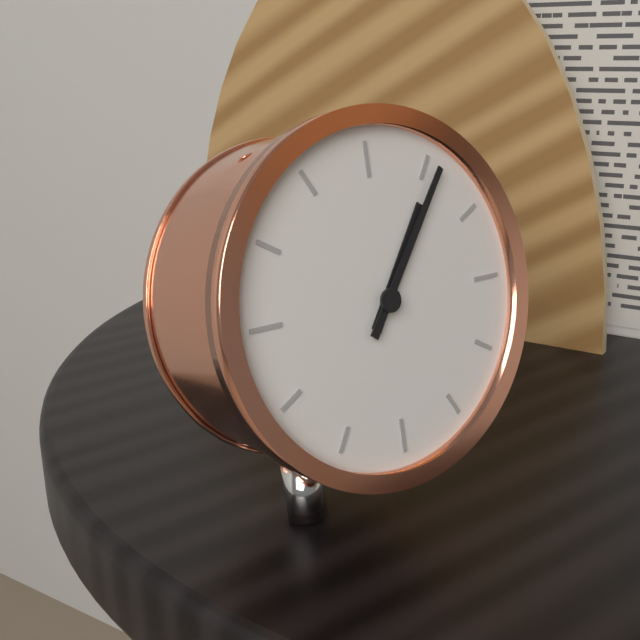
h=1 m=6
